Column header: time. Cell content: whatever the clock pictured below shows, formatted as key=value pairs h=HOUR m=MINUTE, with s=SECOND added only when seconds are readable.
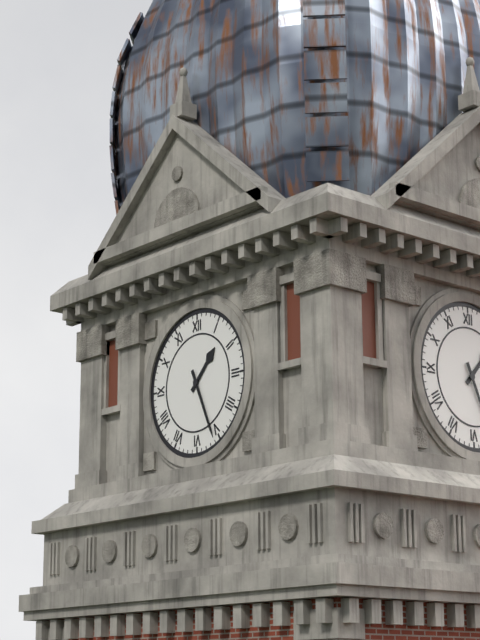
h=1 m=26
